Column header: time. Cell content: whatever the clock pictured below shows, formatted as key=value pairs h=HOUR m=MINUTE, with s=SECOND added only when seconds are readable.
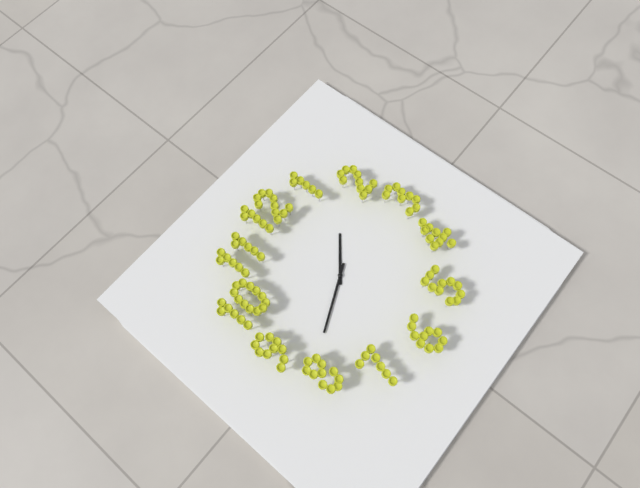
h=1 m=41
